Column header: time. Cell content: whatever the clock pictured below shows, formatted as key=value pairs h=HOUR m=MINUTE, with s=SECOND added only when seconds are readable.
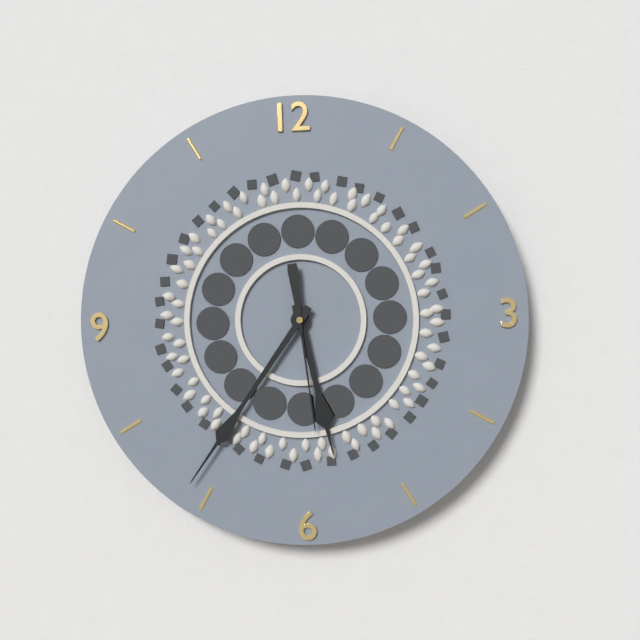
h=5 m=36 s=29
